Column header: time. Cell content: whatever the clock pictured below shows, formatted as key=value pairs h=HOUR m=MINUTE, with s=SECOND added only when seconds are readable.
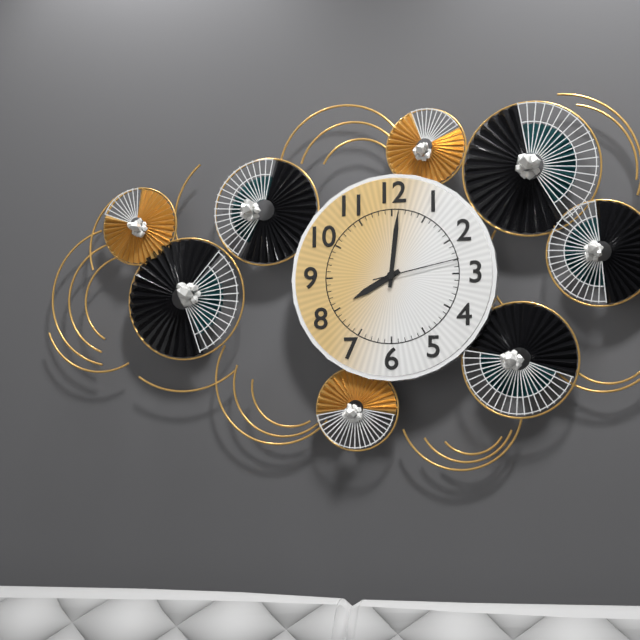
h=8 m=1 s=13
